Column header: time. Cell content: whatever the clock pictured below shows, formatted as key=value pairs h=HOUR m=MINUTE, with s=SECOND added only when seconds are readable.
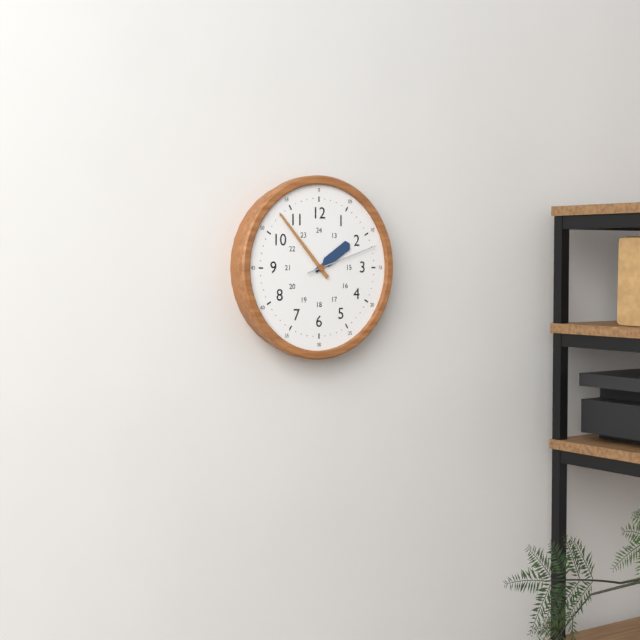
h=1 m=53 s=12
